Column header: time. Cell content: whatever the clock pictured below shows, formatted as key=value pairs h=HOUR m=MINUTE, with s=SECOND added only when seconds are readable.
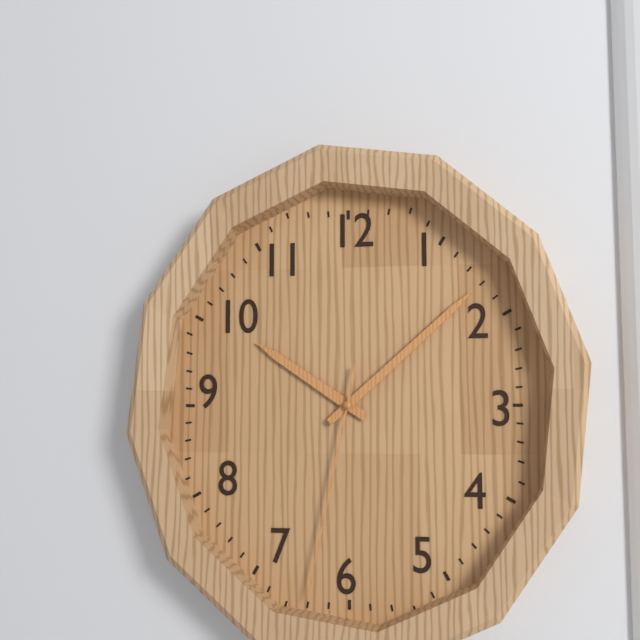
h=10 m=8 s=32
